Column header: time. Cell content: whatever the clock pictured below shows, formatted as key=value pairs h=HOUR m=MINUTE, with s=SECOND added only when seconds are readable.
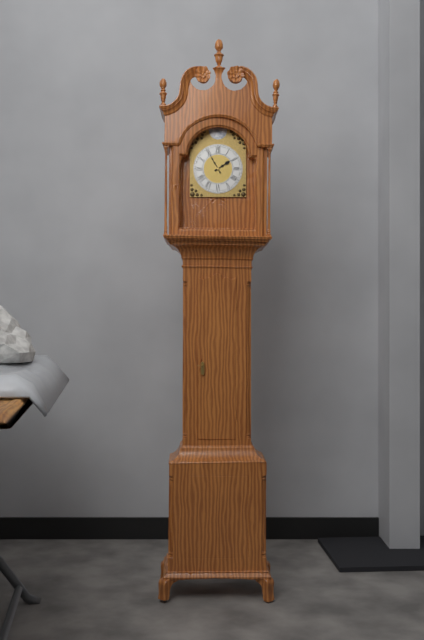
h=1 m=55
